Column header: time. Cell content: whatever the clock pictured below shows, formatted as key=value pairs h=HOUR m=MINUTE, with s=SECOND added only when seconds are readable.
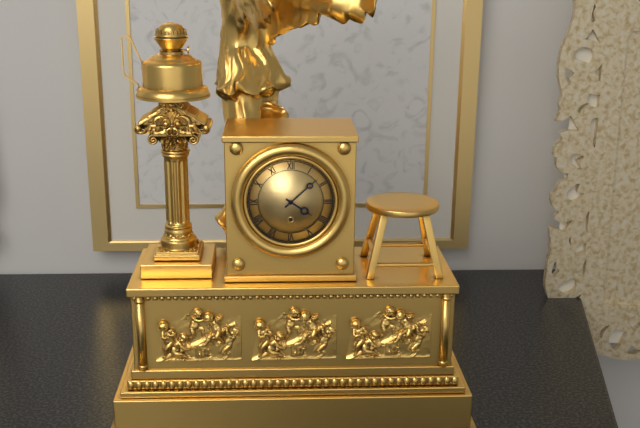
h=4 m=8
